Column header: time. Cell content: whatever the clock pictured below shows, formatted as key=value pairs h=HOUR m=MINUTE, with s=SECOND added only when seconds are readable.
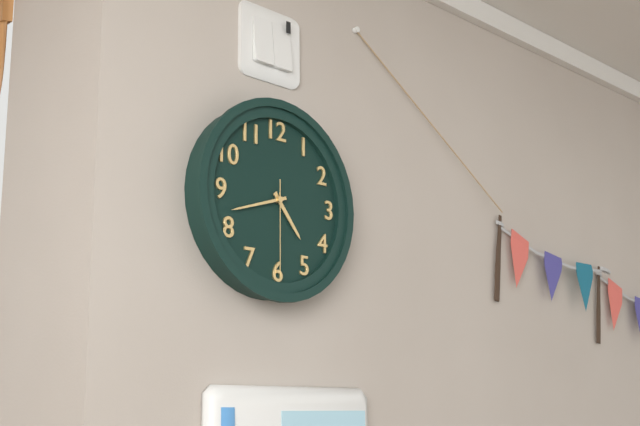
h=4 m=42 s=30
